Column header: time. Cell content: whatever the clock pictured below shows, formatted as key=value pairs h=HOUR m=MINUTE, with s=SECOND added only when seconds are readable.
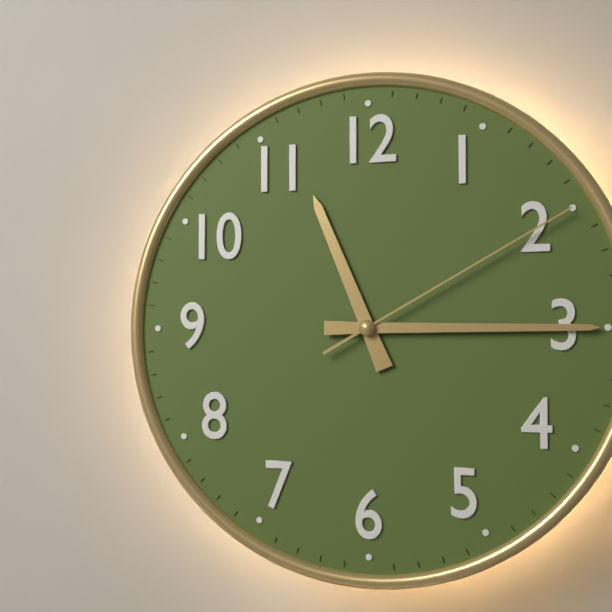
h=11 m=15 s=10
